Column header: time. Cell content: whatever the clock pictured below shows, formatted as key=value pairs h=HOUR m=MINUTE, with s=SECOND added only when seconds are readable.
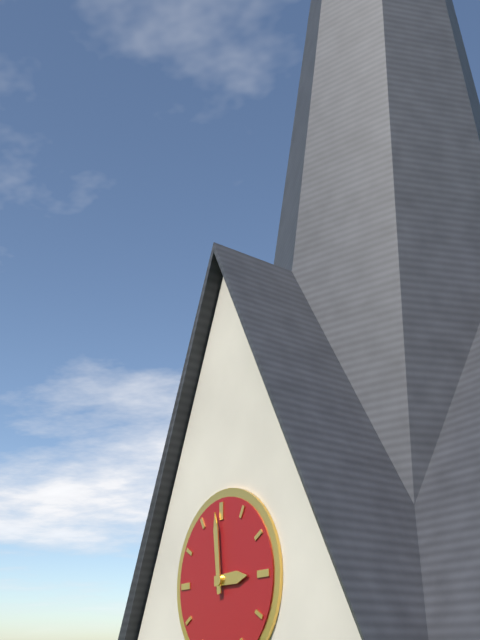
h=2 m=59
